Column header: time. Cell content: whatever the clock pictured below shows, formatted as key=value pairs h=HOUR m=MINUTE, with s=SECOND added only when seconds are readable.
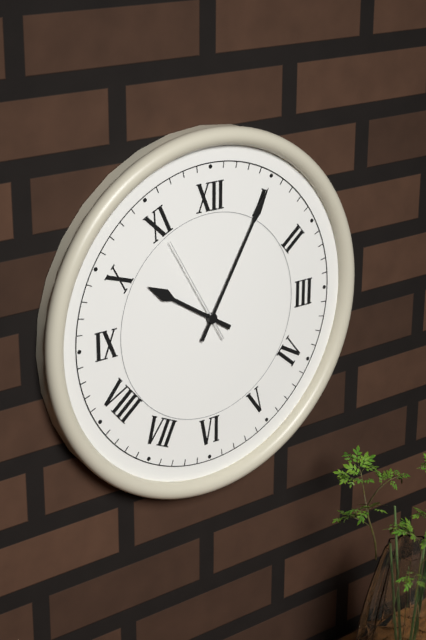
h=10 m=5 s=55
